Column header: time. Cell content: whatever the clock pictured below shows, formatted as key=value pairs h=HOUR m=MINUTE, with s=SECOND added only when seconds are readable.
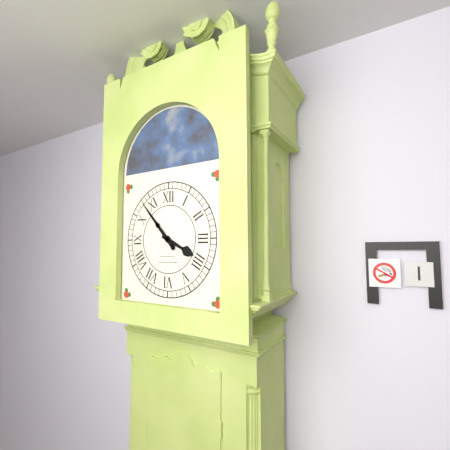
h=3 m=53
